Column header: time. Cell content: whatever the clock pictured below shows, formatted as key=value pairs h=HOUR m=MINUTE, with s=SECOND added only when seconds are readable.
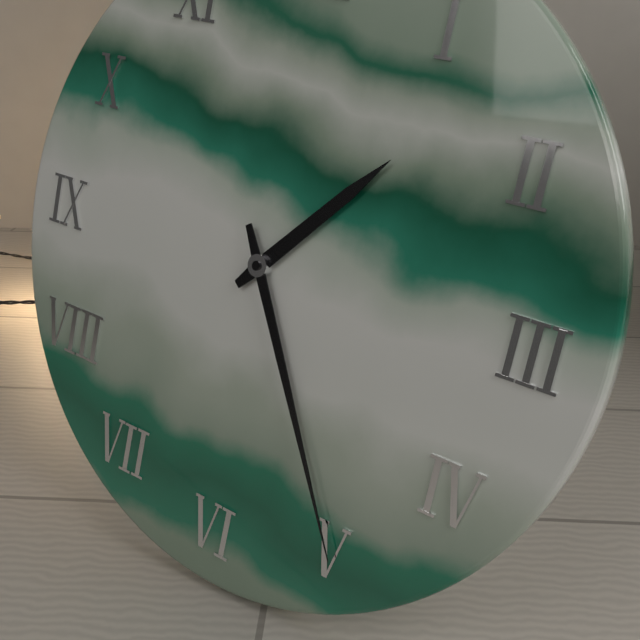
h=1 m=25
